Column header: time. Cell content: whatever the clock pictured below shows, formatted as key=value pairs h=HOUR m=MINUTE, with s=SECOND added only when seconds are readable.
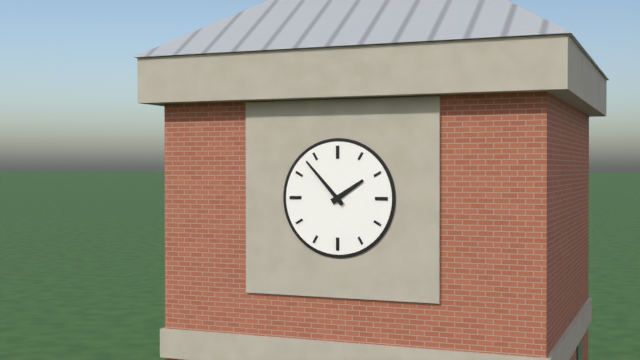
h=1 m=53
